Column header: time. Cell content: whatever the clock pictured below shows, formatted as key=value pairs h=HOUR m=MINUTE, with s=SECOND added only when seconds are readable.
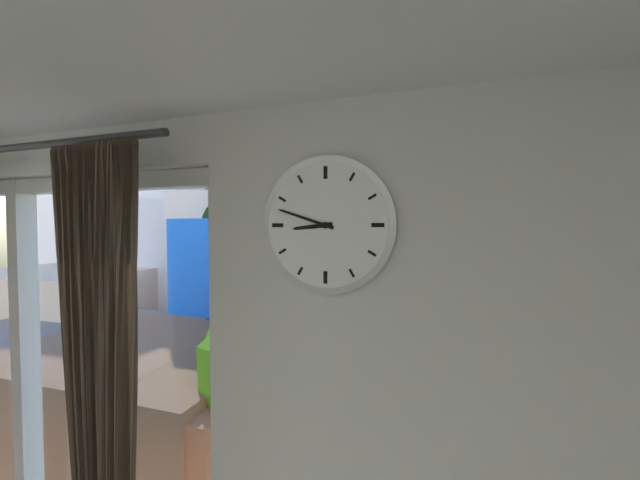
h=8 m=48
